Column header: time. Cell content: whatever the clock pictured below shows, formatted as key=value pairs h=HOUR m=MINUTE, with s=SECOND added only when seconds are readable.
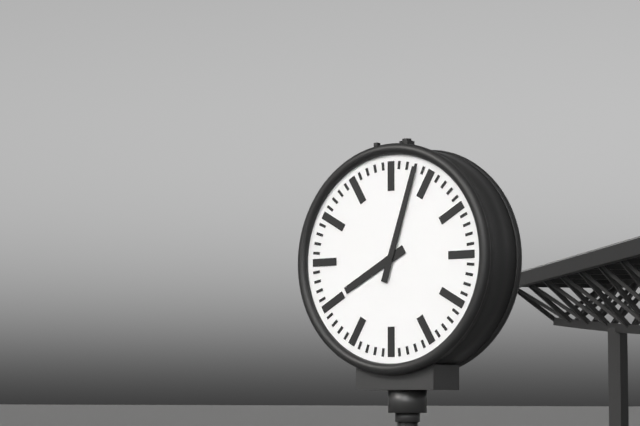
h=8 m=3
